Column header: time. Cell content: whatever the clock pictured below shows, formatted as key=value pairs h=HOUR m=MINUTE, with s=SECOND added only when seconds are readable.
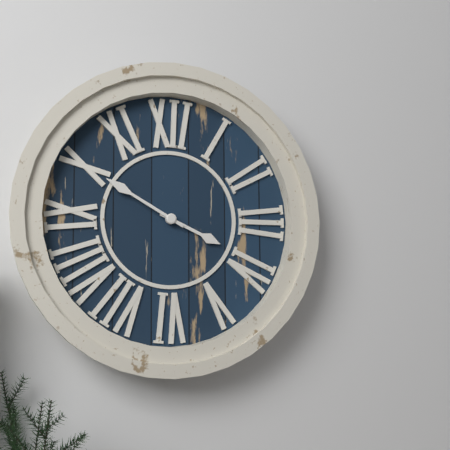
h=3 m=50
